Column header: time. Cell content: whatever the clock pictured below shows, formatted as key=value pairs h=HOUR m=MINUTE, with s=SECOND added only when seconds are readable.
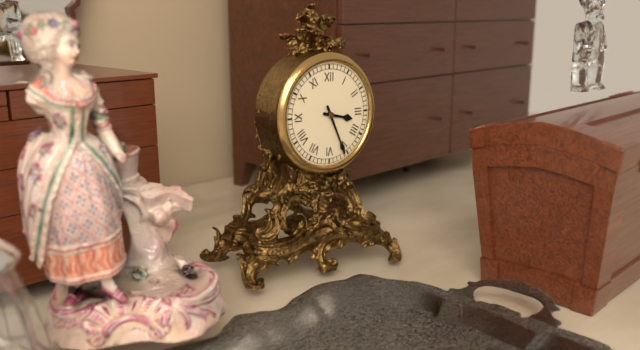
h=3 m=26
